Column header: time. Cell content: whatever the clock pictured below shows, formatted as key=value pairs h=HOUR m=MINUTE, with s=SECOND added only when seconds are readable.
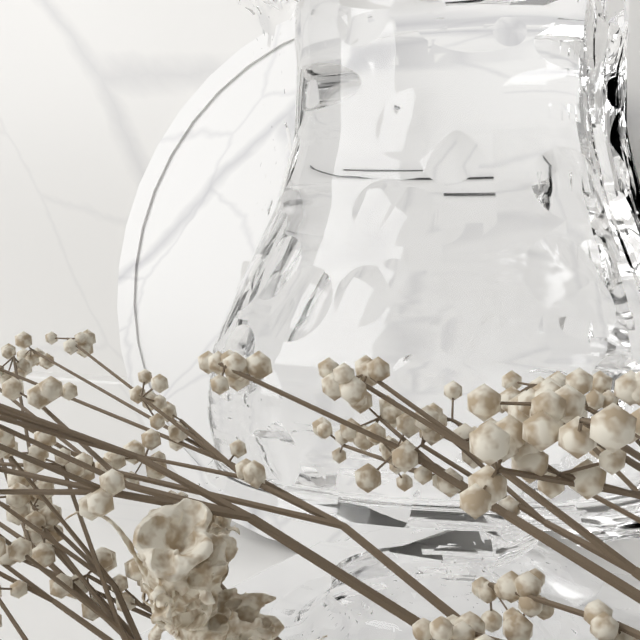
h=3 m=2 s=15
